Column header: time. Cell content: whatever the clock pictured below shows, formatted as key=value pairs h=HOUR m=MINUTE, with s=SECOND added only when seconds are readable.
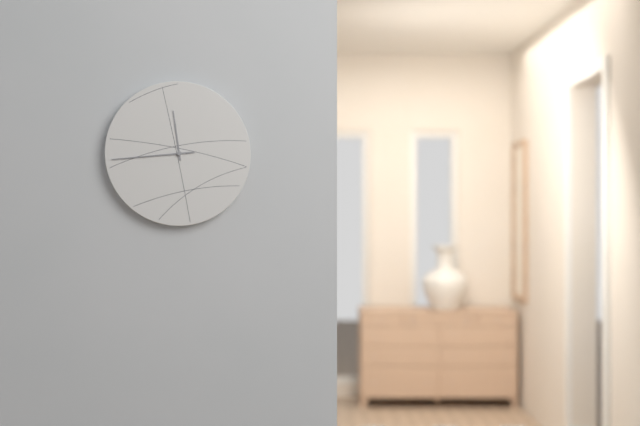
h=11 m=44
